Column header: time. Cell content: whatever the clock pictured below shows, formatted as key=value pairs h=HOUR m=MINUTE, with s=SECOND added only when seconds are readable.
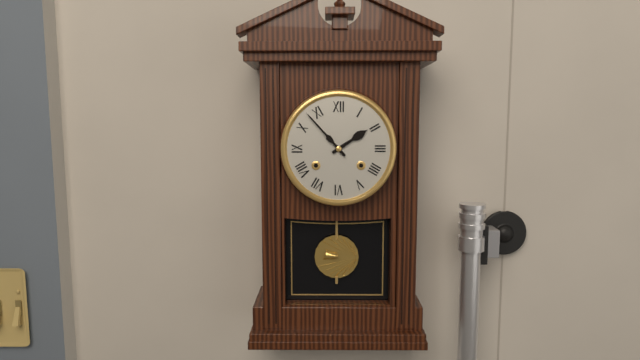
h=1 m=53
